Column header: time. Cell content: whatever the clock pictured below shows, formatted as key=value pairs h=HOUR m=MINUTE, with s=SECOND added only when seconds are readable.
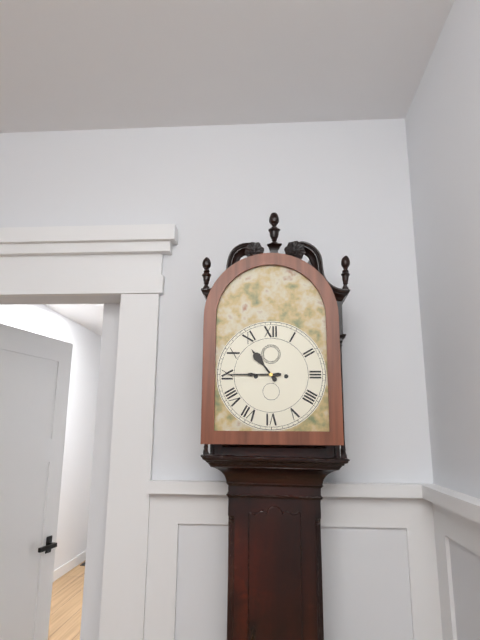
h=10 m=45
